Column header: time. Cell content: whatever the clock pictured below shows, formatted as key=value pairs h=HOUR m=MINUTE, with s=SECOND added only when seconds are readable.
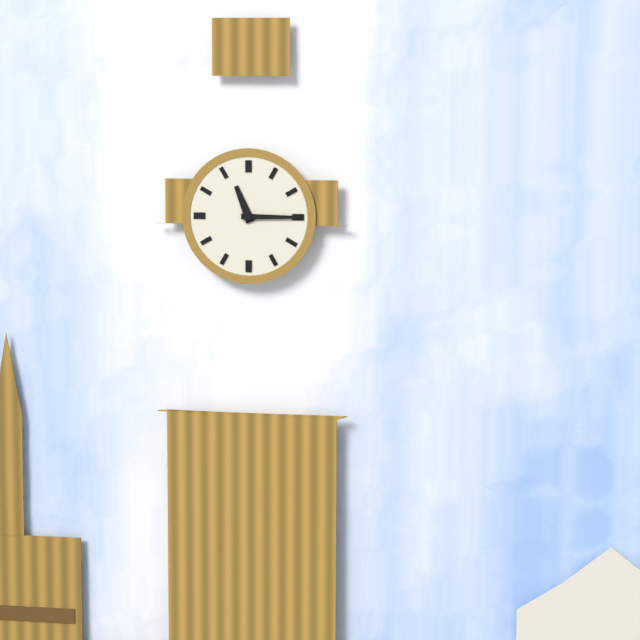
h=11 m=15
